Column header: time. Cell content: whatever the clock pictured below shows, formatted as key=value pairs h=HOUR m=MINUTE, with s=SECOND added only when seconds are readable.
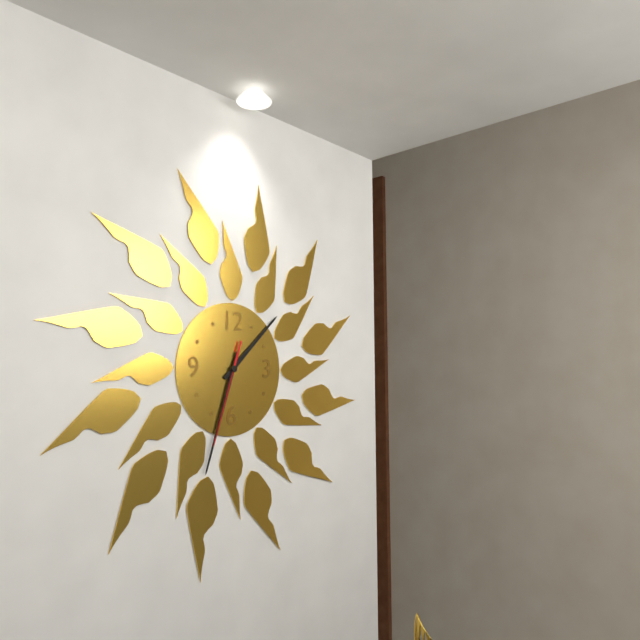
h=1 m=33 s=33
